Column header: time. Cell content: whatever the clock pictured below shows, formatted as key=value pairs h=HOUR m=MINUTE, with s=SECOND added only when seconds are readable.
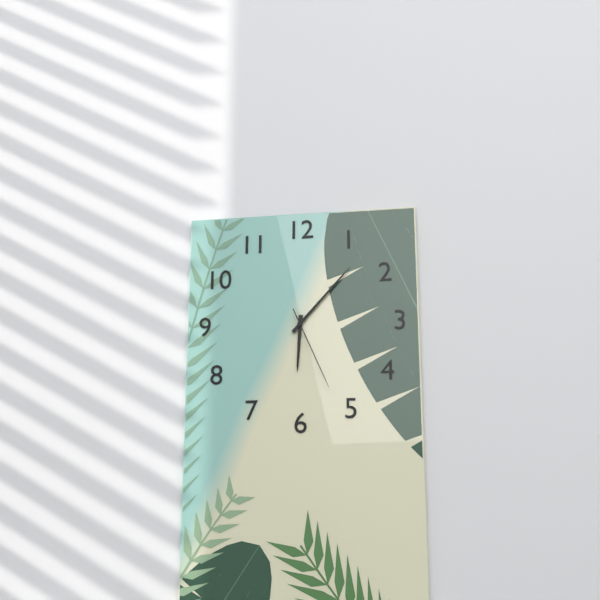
h=6 m=7 s=26
